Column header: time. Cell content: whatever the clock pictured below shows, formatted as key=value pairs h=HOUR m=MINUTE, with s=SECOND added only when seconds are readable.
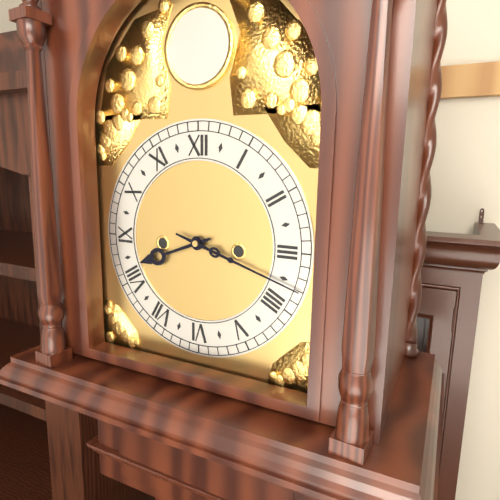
h=8 m=18
